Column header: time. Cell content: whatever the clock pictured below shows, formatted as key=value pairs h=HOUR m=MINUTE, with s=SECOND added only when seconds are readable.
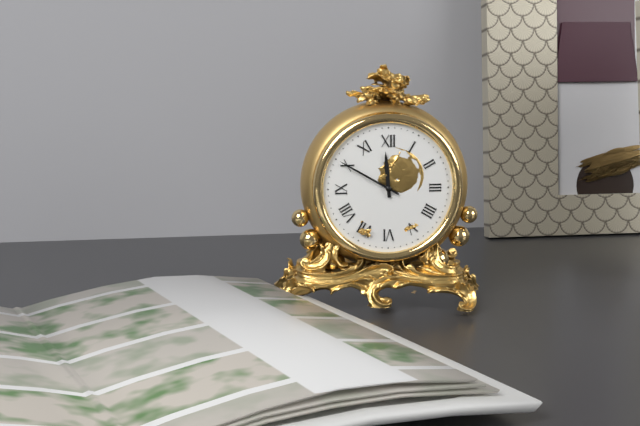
h=11 m=50
